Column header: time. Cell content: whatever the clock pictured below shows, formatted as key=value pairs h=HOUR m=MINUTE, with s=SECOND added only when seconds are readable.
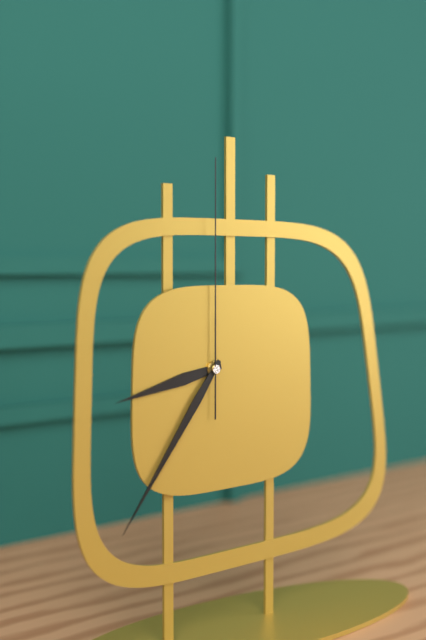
h=8 m=36 s=0
